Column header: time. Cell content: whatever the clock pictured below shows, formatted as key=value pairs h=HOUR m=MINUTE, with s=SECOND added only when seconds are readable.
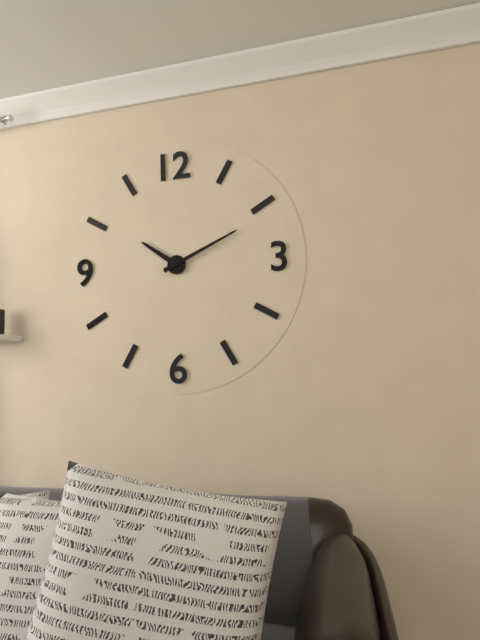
h=10 m=11
